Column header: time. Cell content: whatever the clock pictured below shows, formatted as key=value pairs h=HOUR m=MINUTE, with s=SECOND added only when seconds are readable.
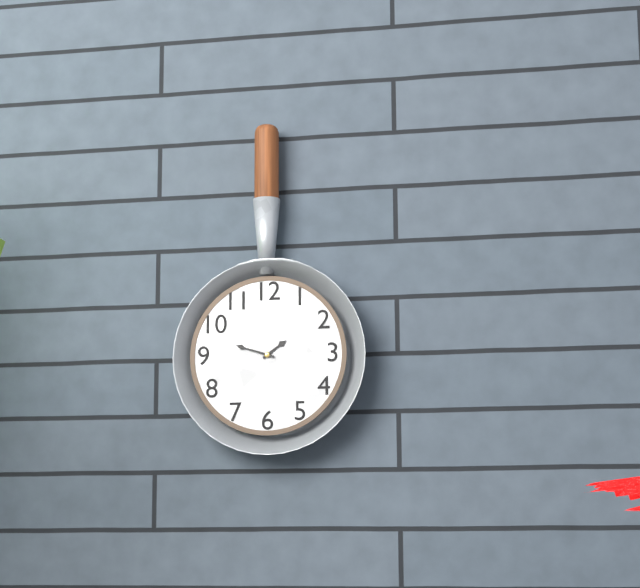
h=1 m=48
